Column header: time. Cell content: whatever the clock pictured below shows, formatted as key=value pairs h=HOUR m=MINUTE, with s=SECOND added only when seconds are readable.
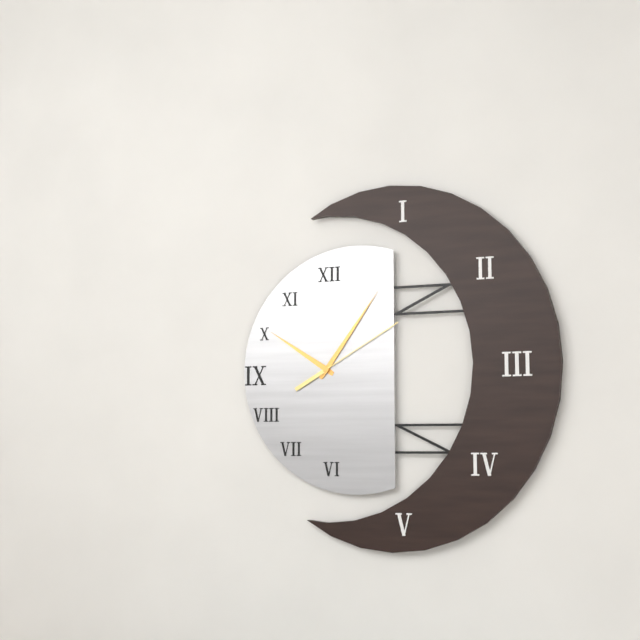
h=10 m=6 s=10
